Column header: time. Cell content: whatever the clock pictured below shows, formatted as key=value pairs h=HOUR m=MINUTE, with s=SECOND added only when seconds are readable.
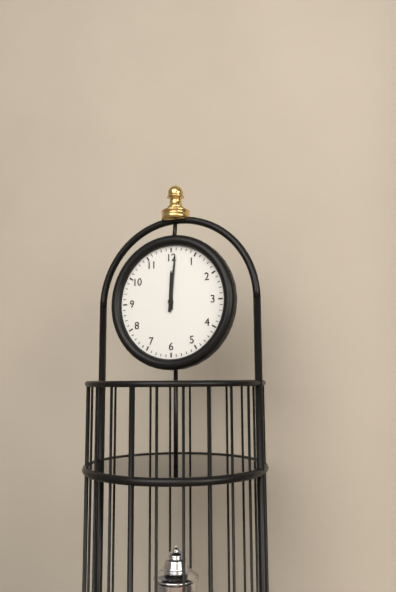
h=12 m=1
